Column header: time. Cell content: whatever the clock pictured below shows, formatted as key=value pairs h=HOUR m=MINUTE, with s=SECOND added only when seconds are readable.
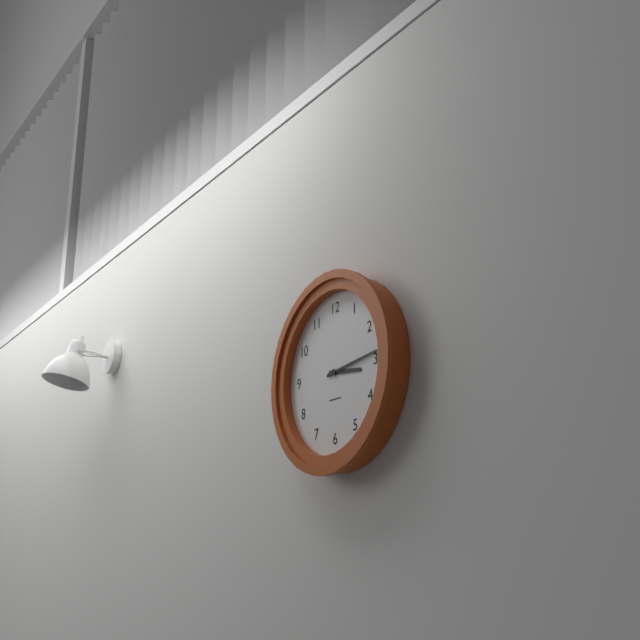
h=3 m=14
